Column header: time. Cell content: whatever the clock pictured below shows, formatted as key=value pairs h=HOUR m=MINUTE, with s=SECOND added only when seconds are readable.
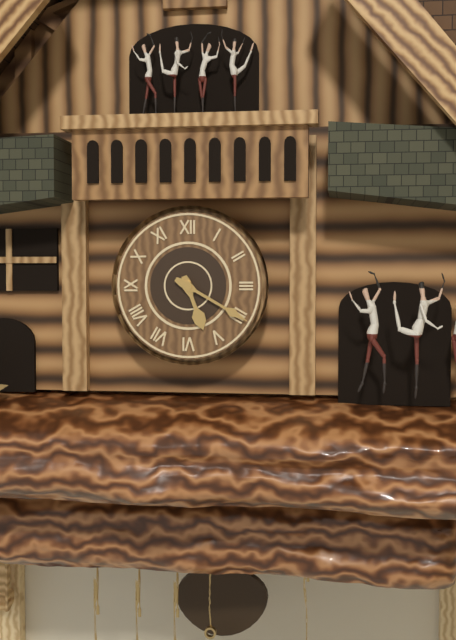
h=5 m=20
